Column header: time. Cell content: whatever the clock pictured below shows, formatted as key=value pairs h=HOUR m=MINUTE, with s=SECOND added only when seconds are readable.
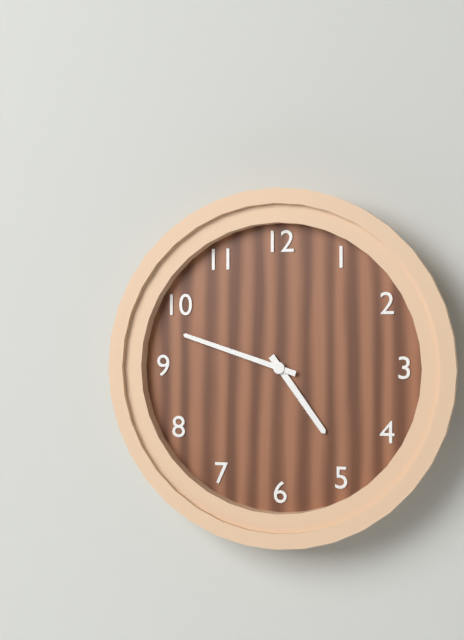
h=4 m=48
